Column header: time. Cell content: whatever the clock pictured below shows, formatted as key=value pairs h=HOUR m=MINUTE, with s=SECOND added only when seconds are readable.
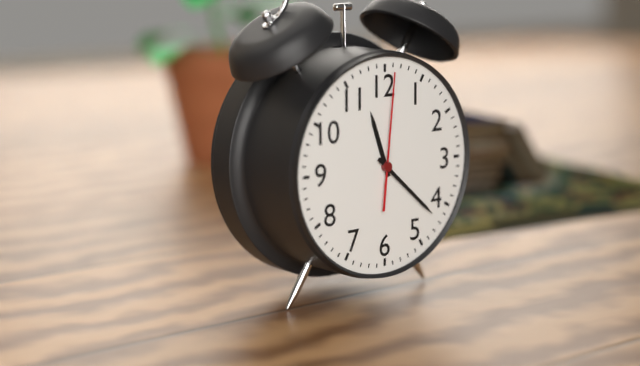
h=11 m=22 s=1
